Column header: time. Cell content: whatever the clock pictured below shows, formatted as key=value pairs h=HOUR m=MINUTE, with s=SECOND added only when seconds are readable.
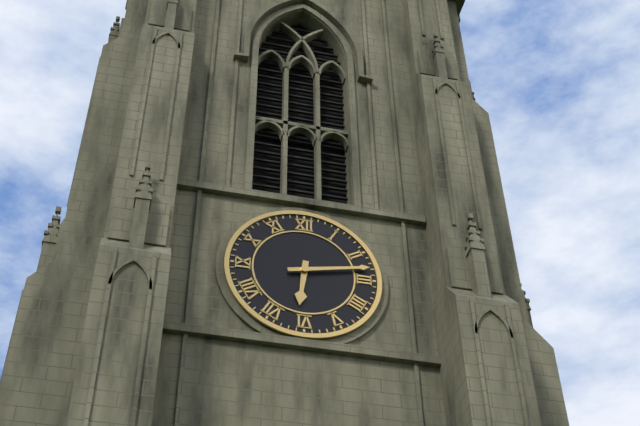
h=6 m=13
